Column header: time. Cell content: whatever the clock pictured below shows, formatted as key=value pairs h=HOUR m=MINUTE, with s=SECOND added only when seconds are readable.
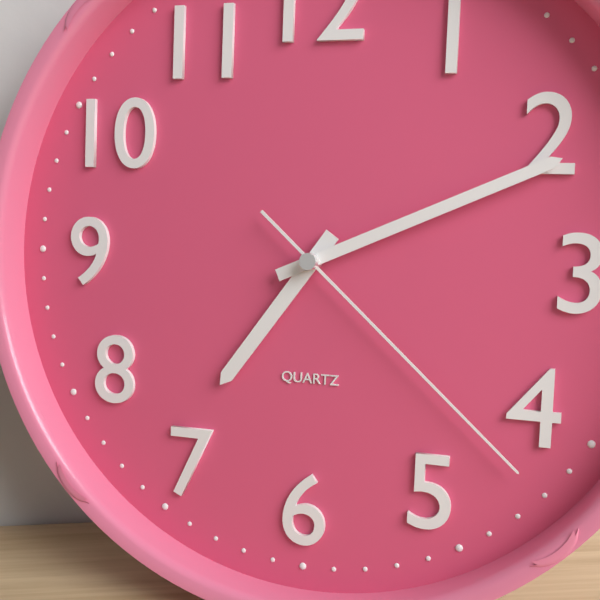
h=7 m=11 s=22
